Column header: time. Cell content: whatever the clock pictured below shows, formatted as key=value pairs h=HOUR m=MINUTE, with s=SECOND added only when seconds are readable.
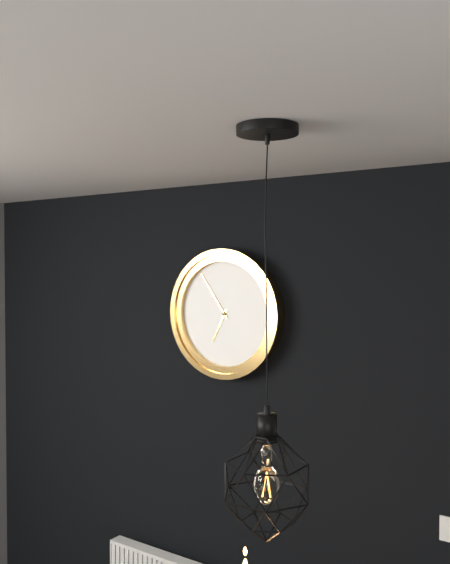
h=6 m=54
